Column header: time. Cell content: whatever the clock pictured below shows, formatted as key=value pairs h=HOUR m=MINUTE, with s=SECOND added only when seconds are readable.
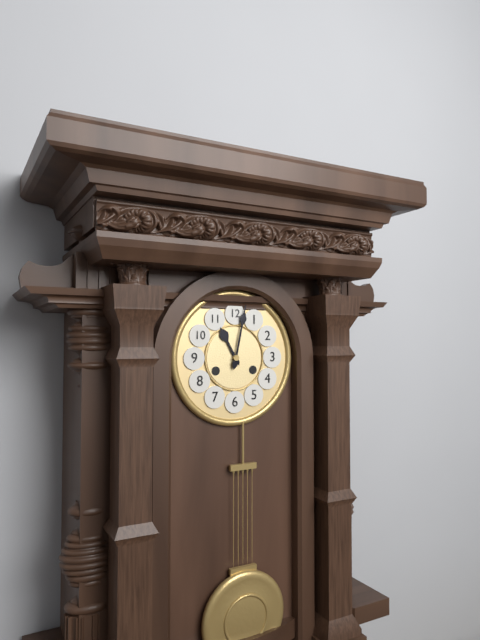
h=11 m=2
